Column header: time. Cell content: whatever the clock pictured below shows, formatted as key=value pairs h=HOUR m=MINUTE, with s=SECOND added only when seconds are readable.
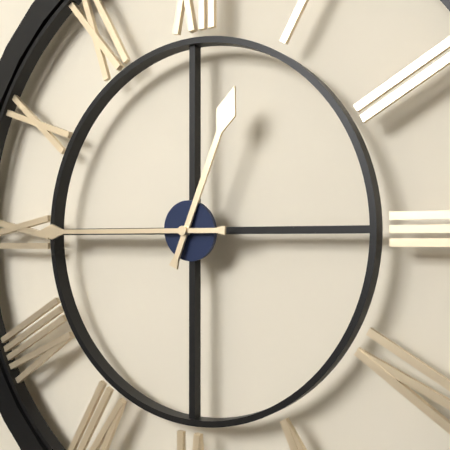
h=12 m=45
